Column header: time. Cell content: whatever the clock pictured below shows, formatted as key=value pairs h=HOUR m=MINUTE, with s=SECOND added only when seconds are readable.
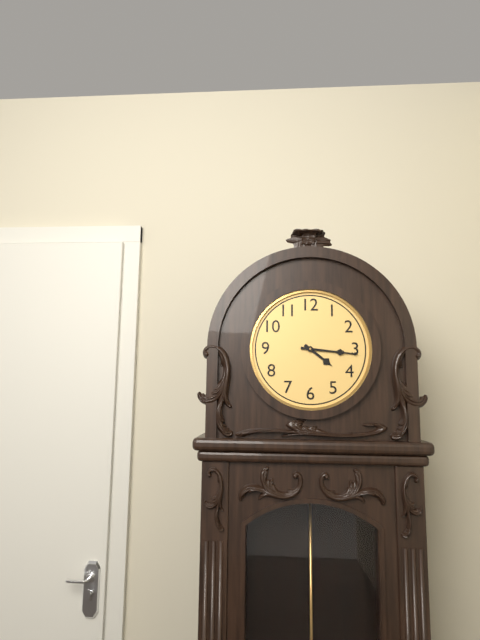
h=4 m=16
